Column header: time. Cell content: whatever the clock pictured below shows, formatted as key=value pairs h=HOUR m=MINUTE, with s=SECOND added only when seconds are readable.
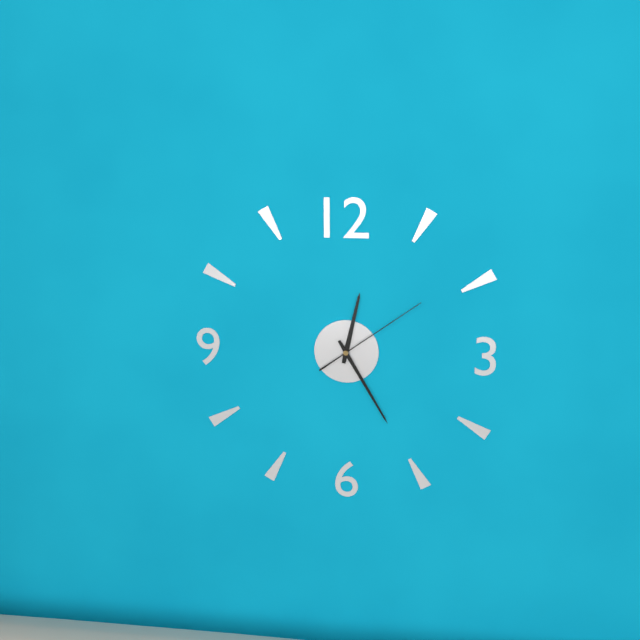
h=12 m=25 s=9
